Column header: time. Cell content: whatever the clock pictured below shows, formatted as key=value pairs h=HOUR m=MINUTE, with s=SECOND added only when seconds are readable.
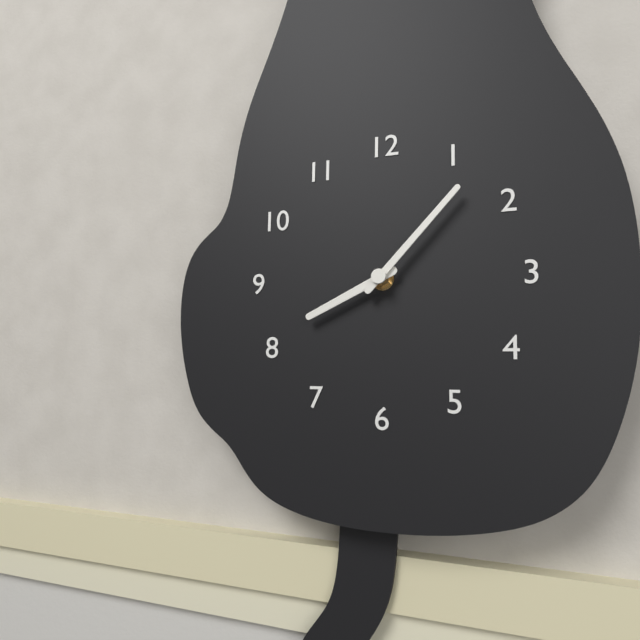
h=8 m=7
